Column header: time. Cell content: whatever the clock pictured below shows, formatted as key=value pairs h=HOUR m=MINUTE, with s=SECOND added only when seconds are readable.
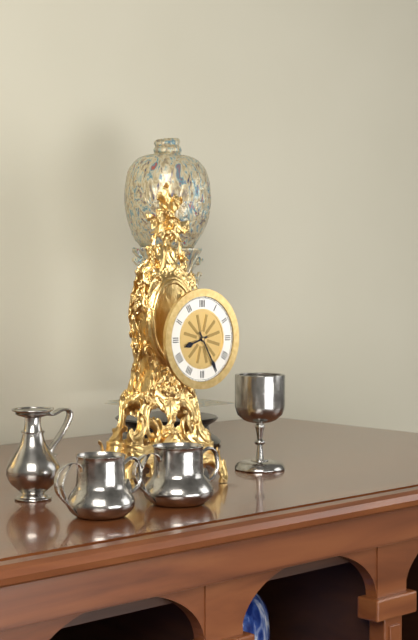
h=8 m=25
